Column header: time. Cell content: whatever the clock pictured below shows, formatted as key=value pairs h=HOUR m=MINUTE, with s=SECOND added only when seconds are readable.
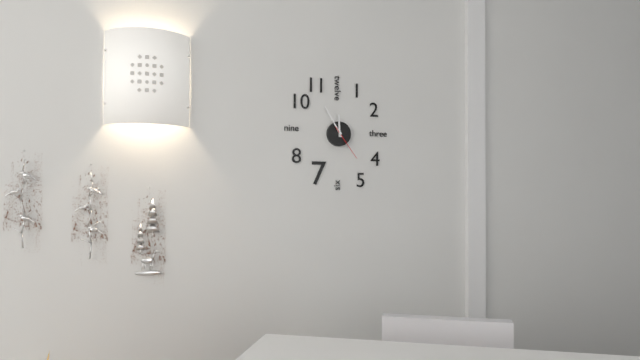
h=11 m=55
